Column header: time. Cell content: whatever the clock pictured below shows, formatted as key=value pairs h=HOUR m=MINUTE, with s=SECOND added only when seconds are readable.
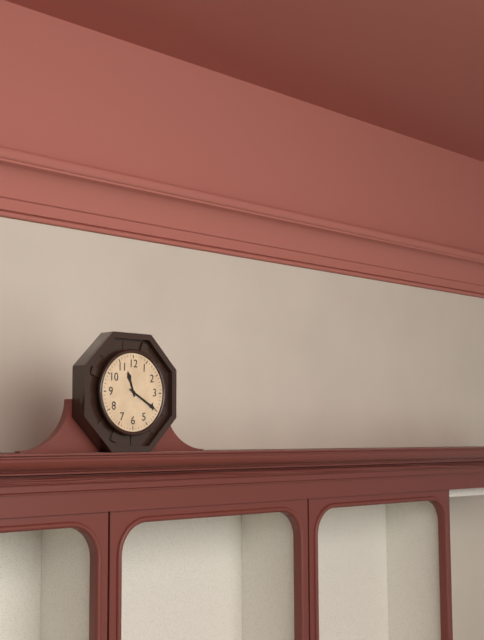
h=11 m=20
